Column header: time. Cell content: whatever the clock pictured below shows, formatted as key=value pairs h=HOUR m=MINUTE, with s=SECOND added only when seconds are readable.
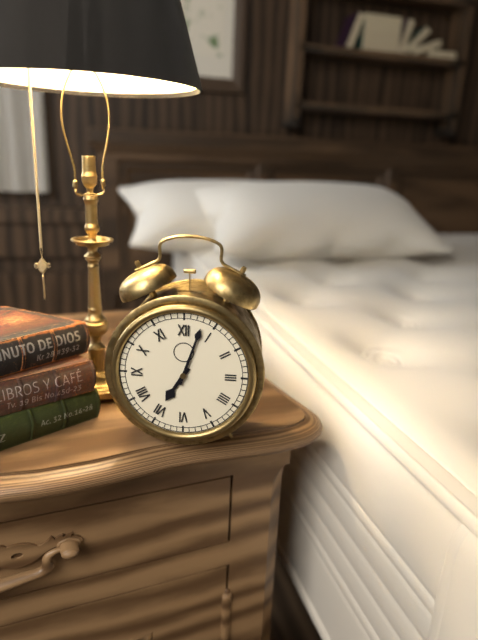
h=7 m=3
